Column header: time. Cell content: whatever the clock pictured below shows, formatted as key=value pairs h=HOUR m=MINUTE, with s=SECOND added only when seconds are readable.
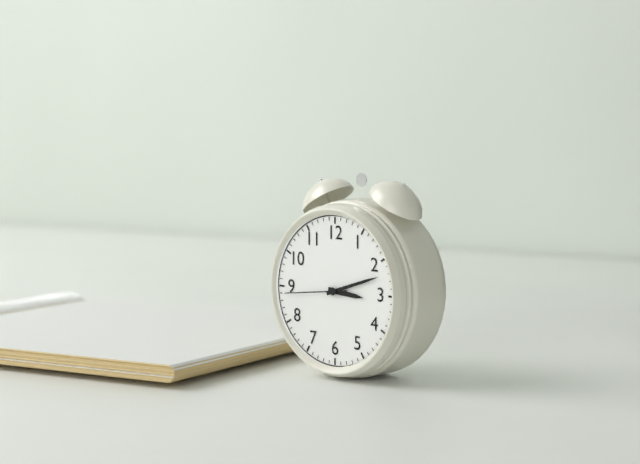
h=3 m=12 s=44
